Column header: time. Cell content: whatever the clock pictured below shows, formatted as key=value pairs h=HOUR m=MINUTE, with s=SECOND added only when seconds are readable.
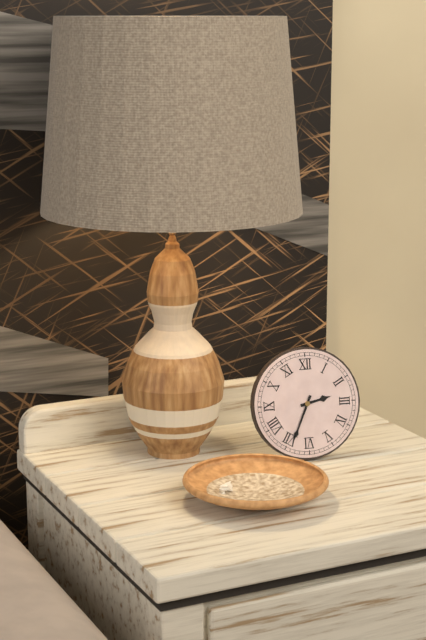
h=2 m=34
